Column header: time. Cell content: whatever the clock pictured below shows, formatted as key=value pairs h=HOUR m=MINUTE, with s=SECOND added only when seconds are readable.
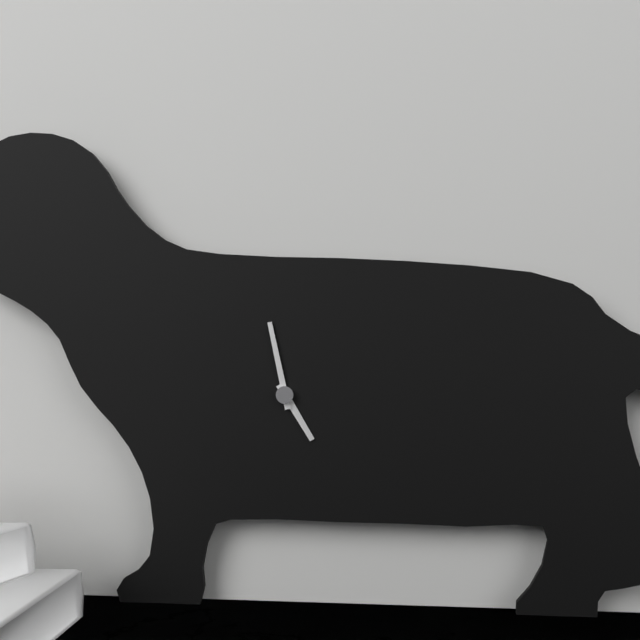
h=4 m=58
